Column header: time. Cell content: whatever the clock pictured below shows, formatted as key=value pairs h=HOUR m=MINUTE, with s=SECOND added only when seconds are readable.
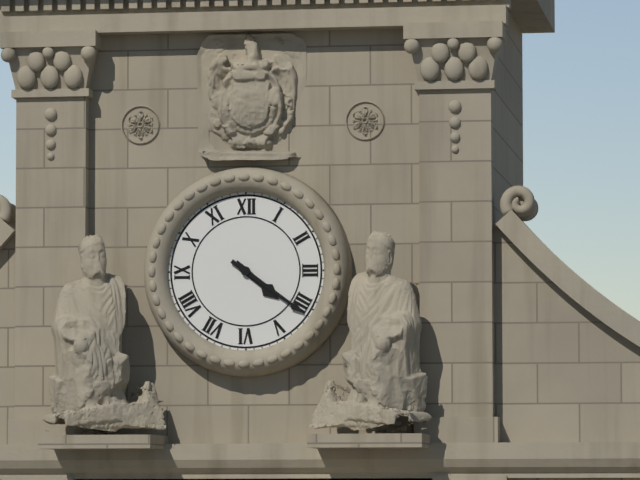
h=4 m=21
